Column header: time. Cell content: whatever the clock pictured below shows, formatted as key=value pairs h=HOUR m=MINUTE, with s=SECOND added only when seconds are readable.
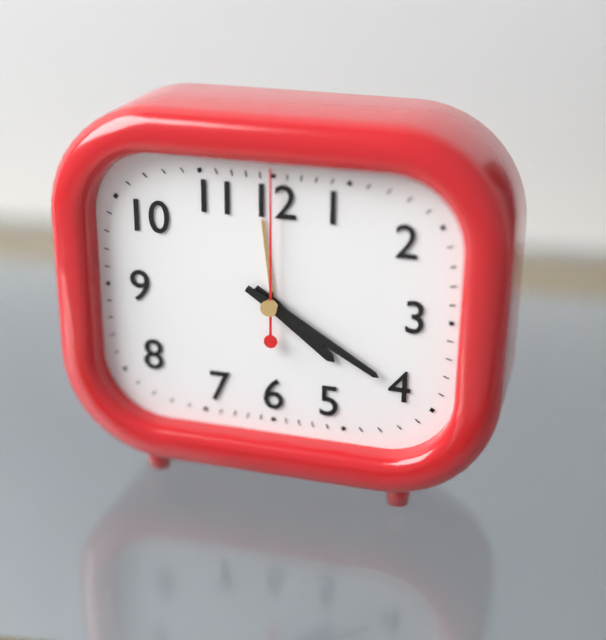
h=4 m=20 s=0
